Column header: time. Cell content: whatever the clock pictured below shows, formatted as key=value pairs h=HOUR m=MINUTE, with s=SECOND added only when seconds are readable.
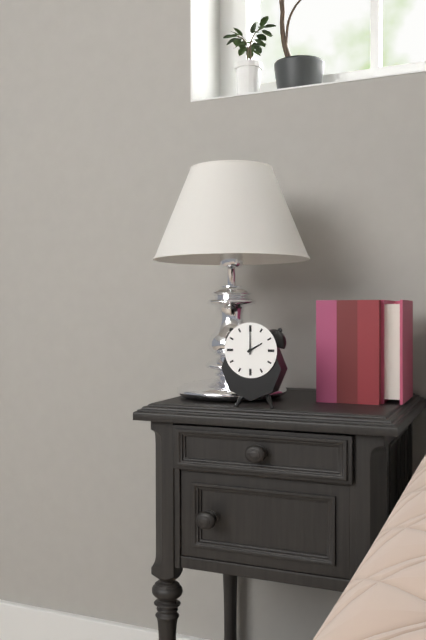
h=2 m=0
